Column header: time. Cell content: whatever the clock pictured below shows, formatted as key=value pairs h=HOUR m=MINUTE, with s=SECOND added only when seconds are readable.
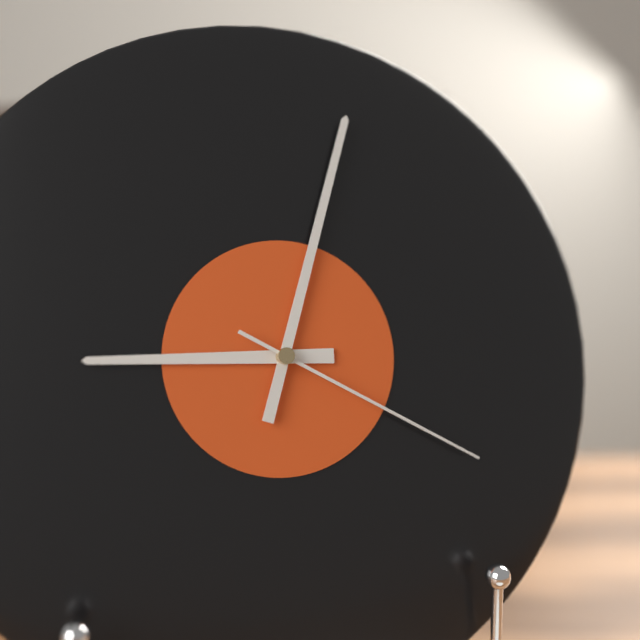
h=9 m=3 s=20
